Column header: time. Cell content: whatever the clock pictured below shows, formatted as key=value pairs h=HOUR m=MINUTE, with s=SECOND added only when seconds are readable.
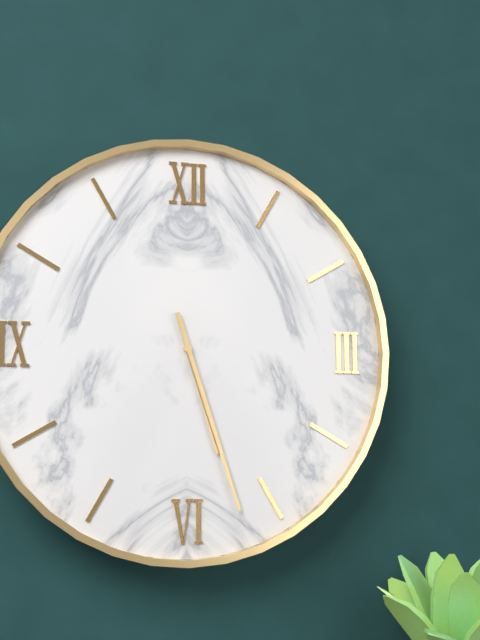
h=5 m=27
